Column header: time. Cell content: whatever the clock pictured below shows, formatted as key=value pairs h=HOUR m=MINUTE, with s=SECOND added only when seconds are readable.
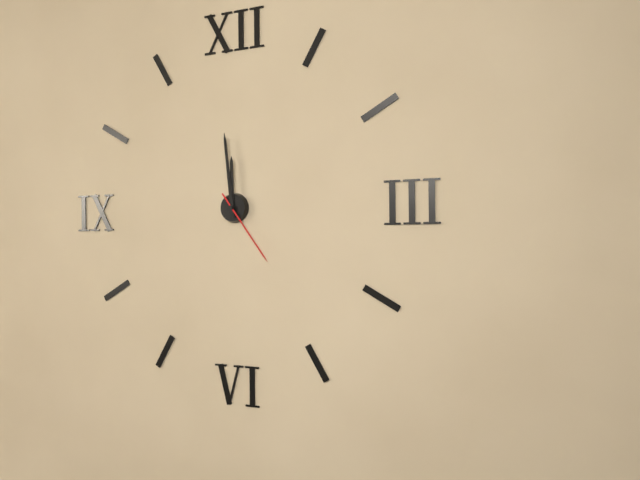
h=11 m=59 s=24
